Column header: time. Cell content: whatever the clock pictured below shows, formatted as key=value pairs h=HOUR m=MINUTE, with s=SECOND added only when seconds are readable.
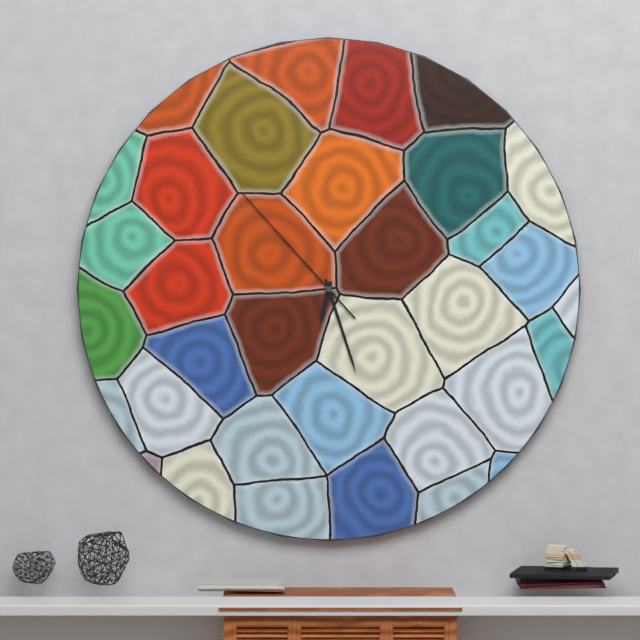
h=6 m=27 s=53
